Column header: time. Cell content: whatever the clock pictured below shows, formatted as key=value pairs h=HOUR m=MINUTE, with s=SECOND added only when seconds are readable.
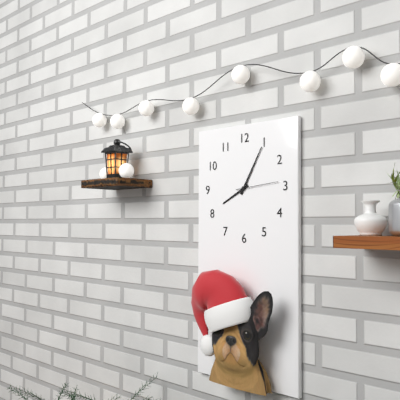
h=8 m=5
